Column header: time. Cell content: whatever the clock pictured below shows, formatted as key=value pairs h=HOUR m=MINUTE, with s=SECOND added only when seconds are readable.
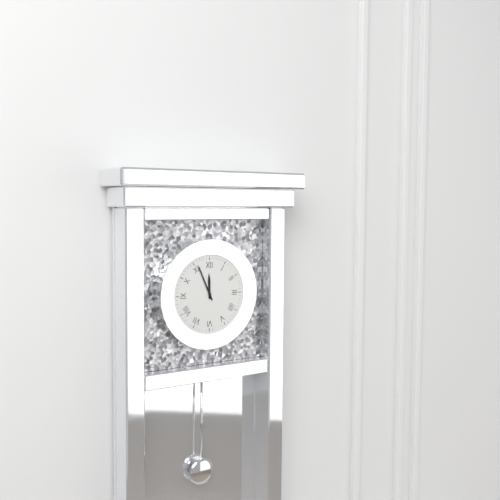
h=11 m=56
